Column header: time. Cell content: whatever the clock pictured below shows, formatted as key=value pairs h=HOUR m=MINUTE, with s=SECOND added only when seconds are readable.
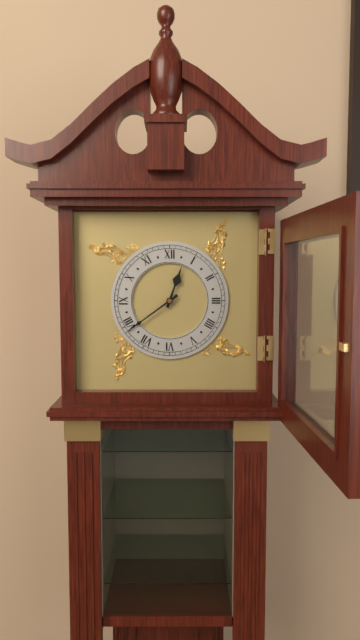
h=12 m=39
